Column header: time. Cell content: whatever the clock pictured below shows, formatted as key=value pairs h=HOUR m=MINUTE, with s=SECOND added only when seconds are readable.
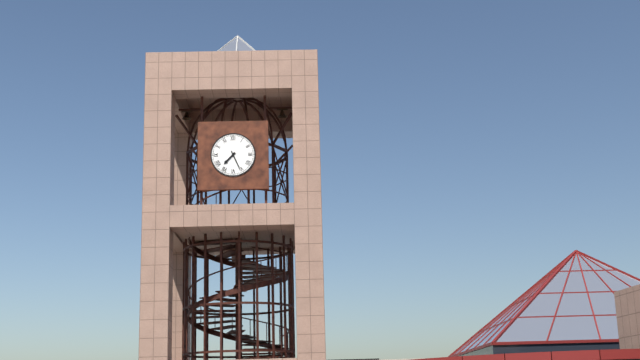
h=7 m=26
